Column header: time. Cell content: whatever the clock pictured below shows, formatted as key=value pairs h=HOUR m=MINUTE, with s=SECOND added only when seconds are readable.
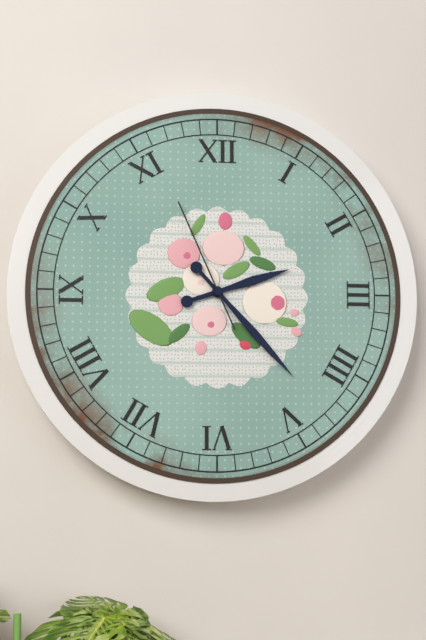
h=2 m=23 s=56
